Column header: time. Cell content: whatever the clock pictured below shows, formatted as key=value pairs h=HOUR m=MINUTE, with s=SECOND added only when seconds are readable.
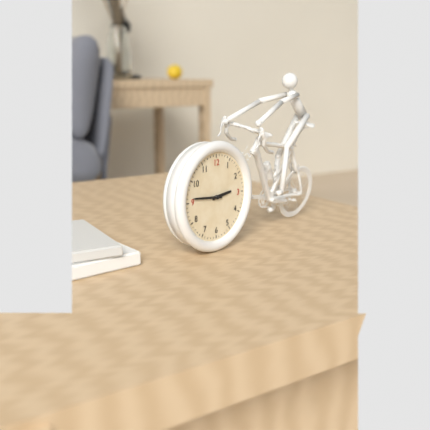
h=2 m=46
